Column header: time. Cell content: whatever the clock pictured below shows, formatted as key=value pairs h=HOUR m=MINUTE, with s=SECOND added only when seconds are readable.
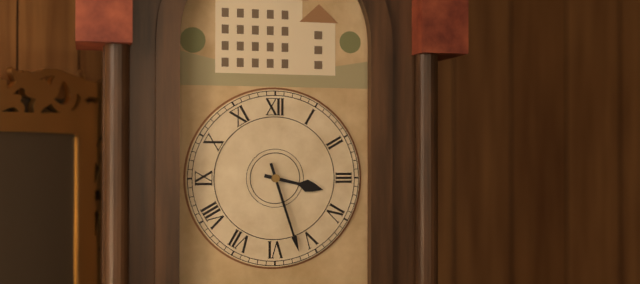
h=3 m=27
